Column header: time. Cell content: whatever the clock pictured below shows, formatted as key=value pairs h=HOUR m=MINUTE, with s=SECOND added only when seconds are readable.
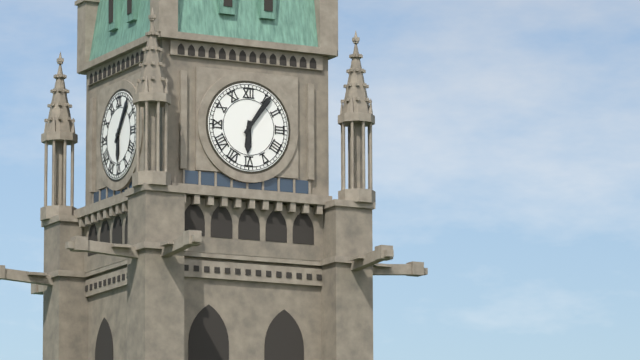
h=6 m=6
